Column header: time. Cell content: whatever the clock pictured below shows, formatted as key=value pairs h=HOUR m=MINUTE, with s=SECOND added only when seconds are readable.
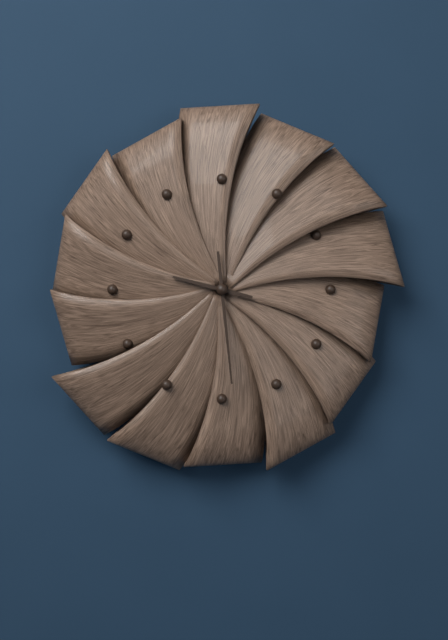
h=9 m=29
